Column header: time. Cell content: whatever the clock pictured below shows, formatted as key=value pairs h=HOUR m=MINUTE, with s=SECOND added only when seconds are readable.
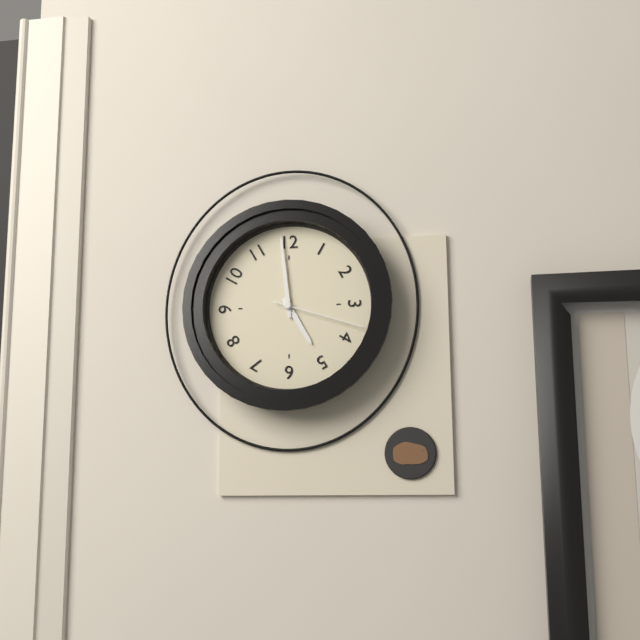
h=4 m=59 s=18
